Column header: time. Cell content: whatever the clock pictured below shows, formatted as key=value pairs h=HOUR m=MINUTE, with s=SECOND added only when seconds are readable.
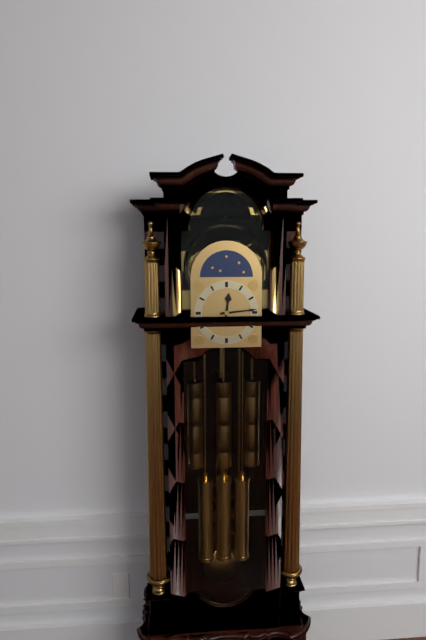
h=12 m=14
